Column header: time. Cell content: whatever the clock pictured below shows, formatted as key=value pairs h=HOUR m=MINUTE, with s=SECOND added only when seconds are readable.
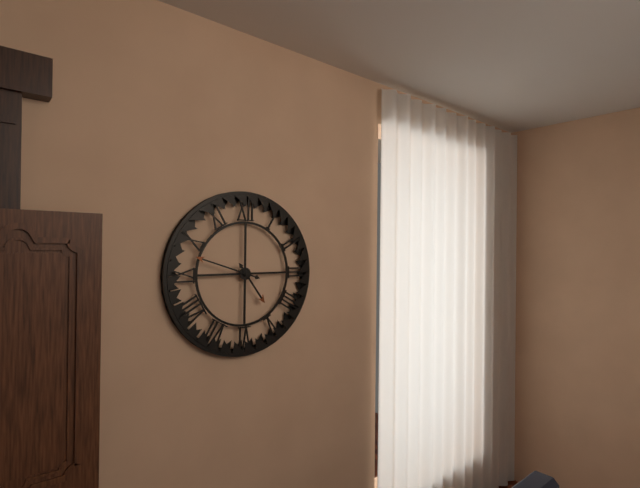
h=4 m=48
